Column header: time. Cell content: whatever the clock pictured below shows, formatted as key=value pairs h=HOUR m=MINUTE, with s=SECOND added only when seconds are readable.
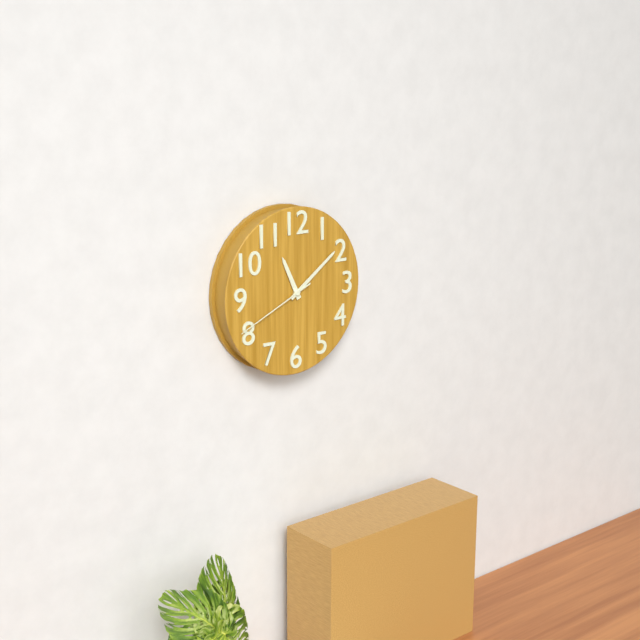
h=11 m=9 s=41
